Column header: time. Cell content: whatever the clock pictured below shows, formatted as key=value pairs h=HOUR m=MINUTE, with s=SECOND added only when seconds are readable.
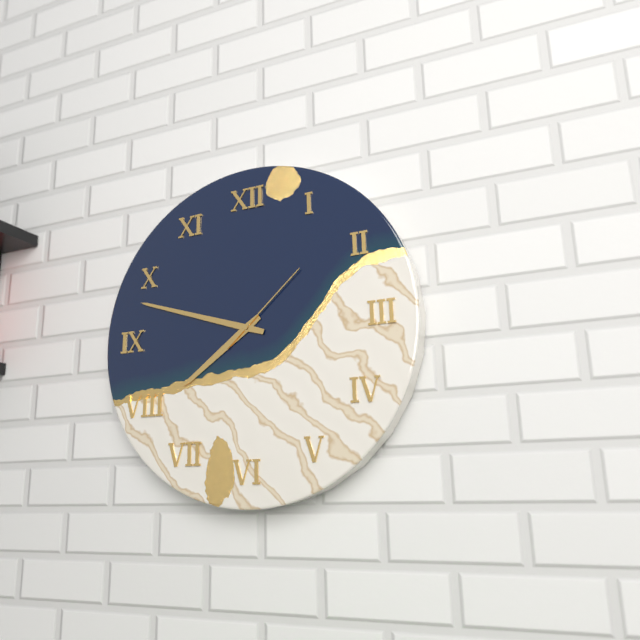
h=7 m=48 s=8
